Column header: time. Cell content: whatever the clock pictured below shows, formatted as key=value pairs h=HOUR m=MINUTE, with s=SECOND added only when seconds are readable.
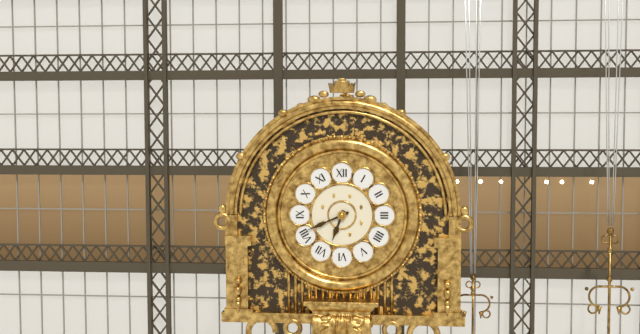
h=6 m=41
